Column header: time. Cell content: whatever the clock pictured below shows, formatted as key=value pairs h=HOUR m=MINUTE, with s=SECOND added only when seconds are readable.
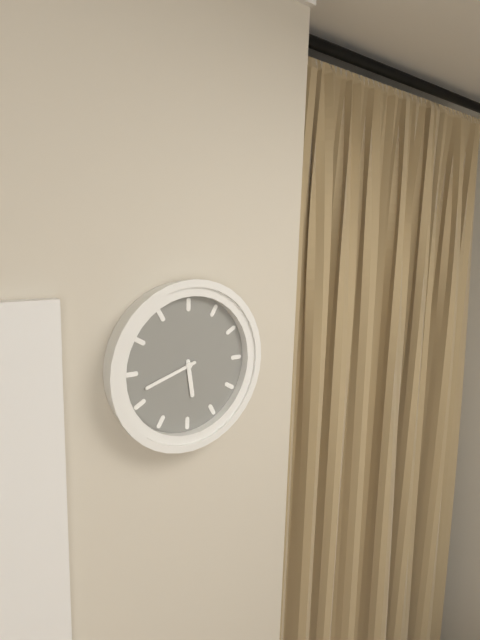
h=5 m=42
